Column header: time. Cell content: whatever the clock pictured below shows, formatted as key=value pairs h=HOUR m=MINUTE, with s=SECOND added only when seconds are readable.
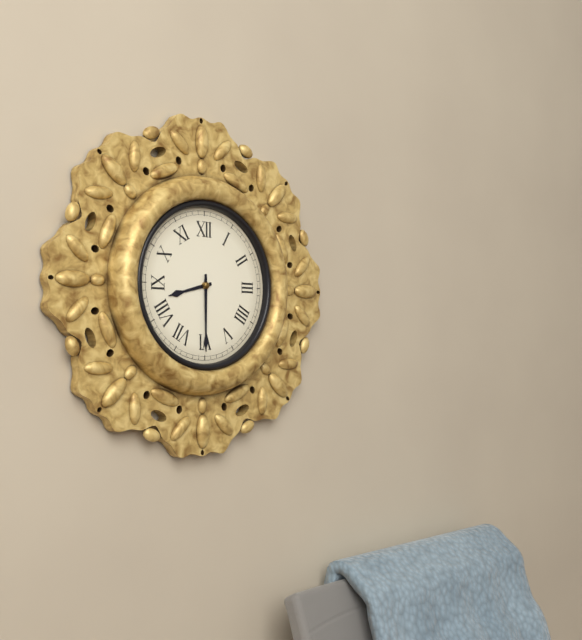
h=8 m=30
